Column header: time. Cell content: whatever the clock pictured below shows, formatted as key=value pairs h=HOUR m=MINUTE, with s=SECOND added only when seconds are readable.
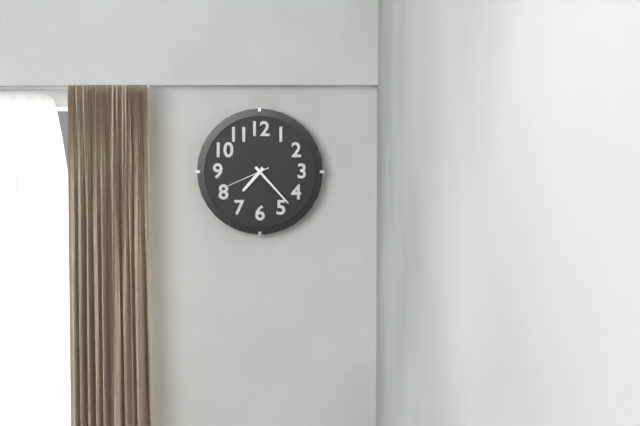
h=7 m=23
